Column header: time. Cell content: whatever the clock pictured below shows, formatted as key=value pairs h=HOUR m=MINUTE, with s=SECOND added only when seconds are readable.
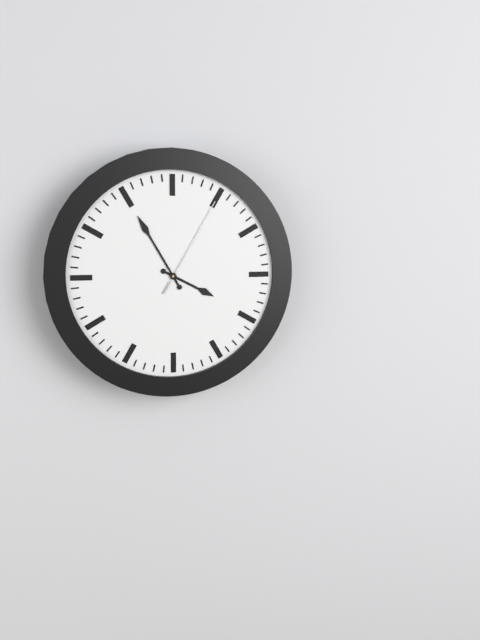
h=3 m=55 s=5
